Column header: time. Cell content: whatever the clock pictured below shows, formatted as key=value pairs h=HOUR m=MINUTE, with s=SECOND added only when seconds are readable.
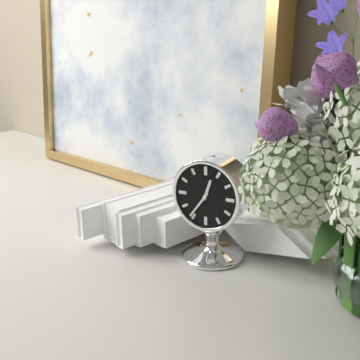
h=12 m=36
